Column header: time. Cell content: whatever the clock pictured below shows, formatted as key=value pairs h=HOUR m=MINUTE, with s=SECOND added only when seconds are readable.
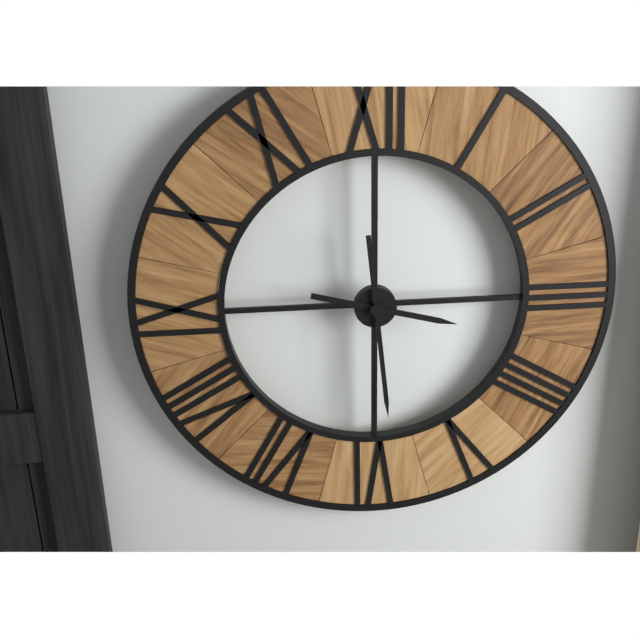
h=3 m=29
